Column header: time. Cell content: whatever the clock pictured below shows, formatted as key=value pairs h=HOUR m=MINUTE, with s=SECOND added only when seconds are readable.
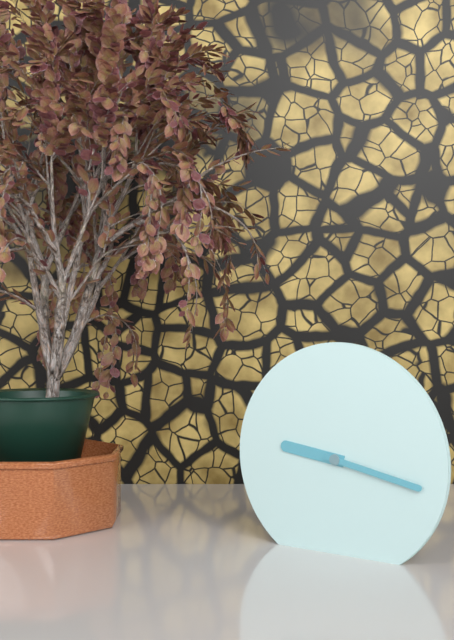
h=9 m=17
